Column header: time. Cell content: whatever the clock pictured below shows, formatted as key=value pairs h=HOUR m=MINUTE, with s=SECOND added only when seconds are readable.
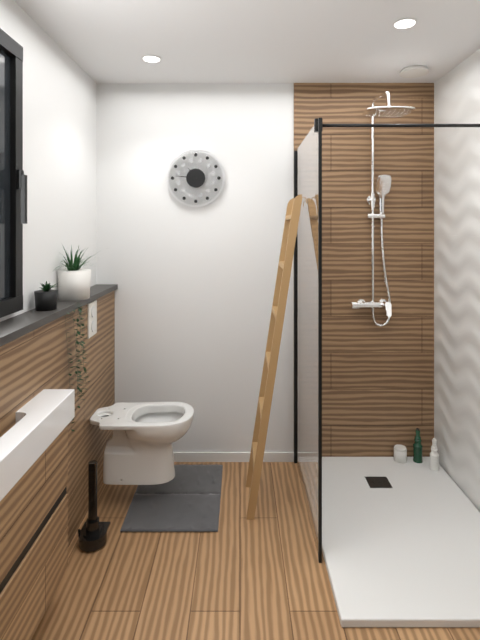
h=10 m=46
